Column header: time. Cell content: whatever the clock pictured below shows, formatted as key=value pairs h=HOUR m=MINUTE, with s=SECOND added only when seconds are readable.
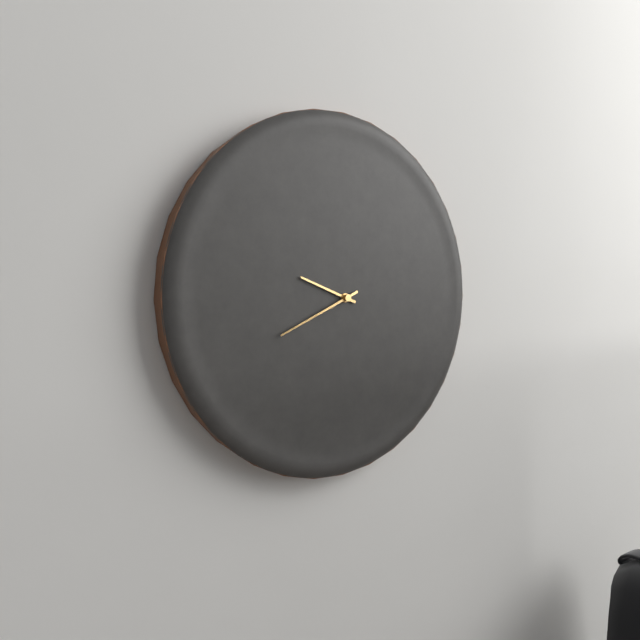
h=9 m=41
